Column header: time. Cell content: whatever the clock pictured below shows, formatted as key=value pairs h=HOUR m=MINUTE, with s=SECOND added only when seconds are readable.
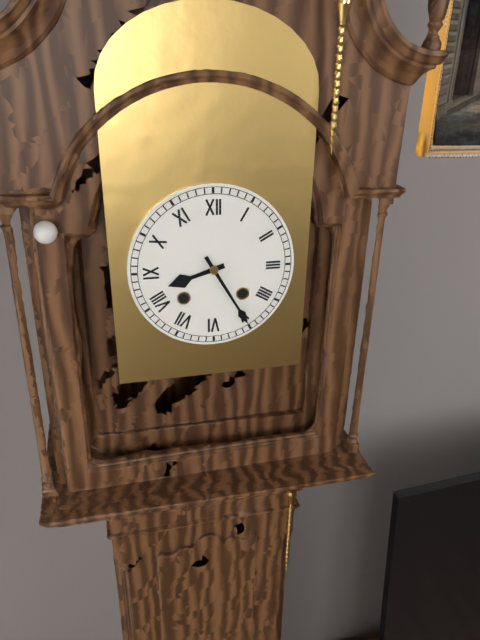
h=8 m=25
